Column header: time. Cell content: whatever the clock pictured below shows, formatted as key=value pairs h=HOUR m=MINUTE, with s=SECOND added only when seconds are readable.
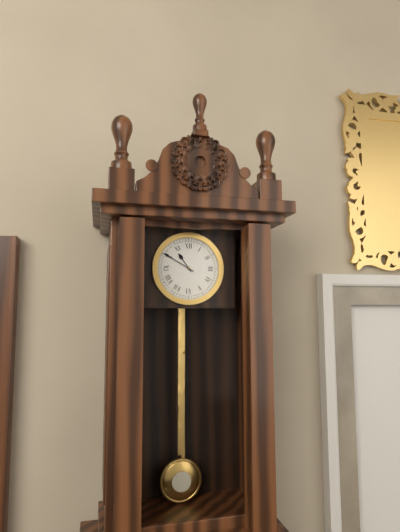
h=10 m=50
